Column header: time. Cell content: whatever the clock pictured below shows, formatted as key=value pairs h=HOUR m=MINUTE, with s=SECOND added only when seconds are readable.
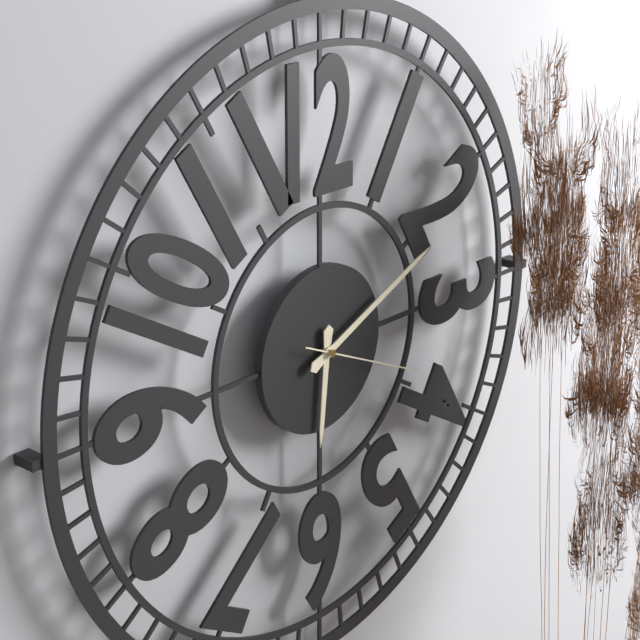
h=6 m=11 s=19
